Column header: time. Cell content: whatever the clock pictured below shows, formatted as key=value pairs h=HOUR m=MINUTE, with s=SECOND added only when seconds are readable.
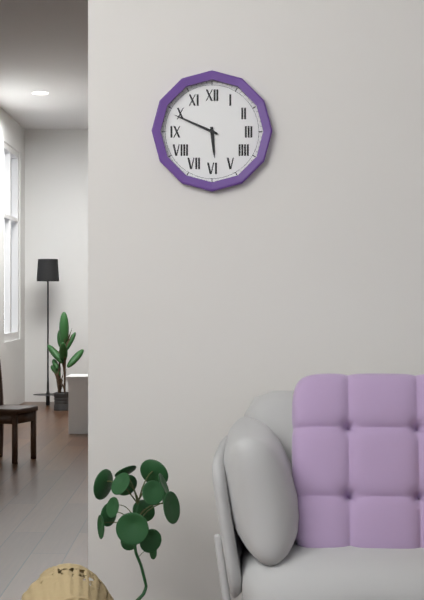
h=5 m=49
